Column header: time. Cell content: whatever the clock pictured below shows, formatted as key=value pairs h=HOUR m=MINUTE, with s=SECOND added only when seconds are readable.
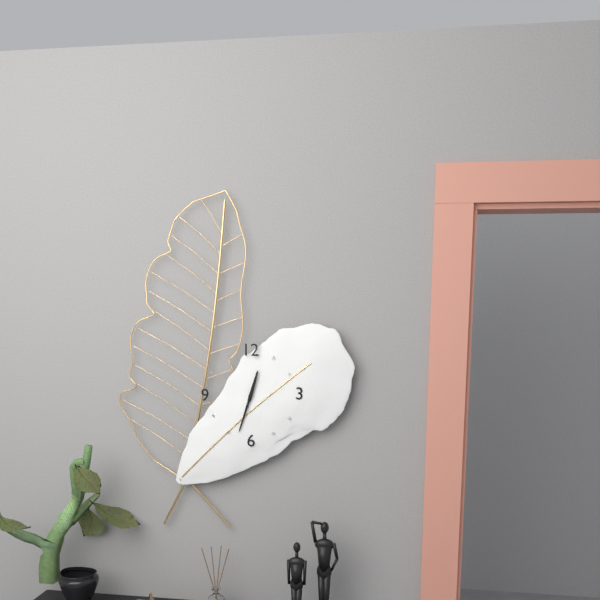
h=12 m=33
